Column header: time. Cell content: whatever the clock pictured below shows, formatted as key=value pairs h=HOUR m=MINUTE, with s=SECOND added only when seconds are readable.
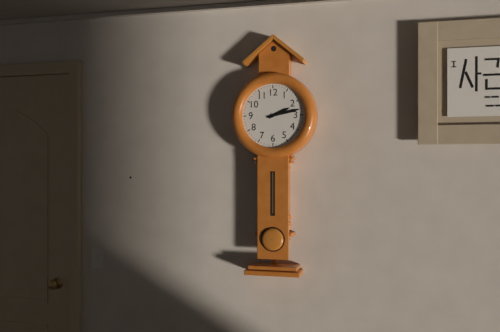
h=2 m=13
